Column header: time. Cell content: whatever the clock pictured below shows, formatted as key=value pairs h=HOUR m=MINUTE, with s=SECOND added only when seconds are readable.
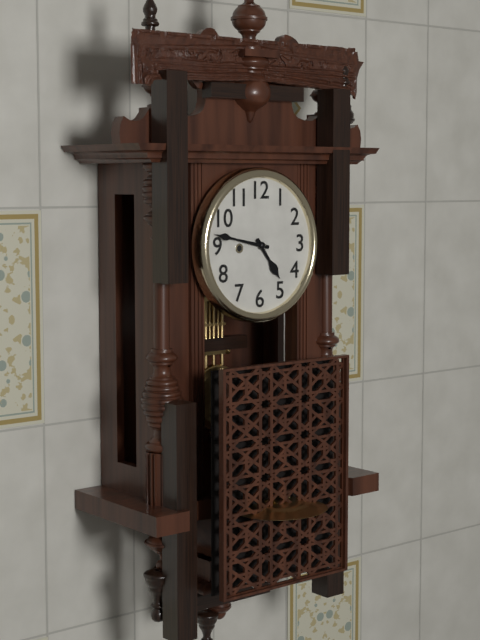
h=4 m=47
